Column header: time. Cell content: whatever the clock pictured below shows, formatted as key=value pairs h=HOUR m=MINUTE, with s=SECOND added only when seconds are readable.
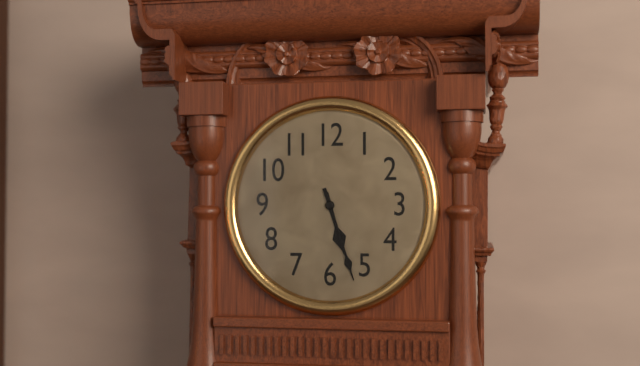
h=5 m=27
